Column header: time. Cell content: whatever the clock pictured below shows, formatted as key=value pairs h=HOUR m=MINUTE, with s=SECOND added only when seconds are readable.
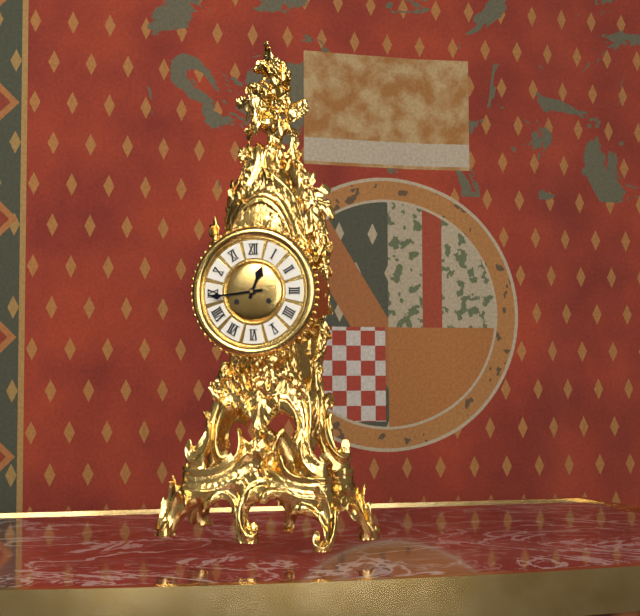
h=12 m=44
